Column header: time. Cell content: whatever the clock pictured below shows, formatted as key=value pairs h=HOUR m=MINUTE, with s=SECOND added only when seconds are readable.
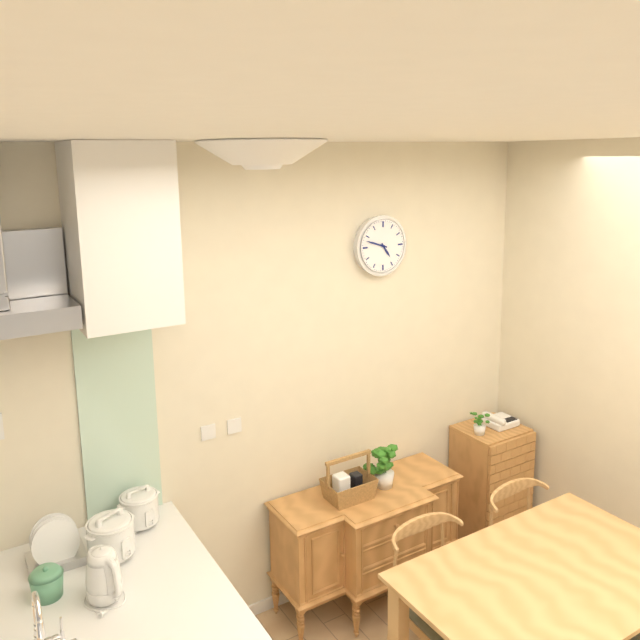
h=4 m=48
